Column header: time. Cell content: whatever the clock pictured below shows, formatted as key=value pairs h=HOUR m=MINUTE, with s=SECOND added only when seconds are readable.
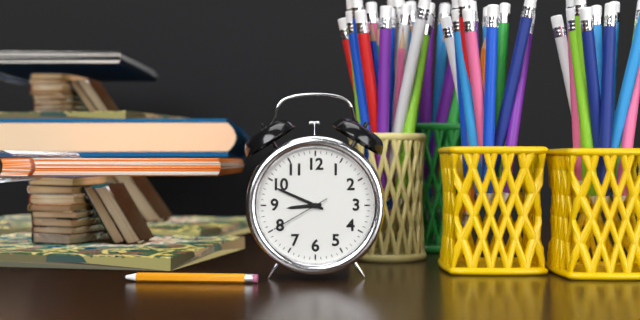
h=8 m=49 s=40
